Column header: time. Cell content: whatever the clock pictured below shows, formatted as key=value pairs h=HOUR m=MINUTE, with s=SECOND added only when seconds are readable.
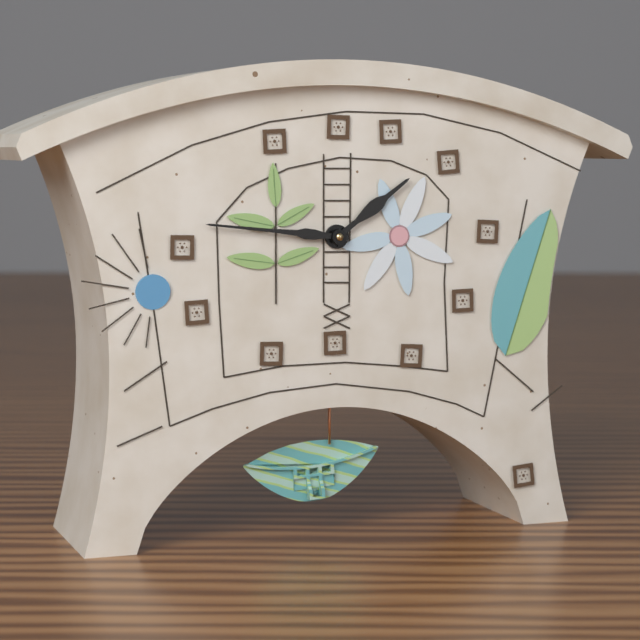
h=1 m=46
